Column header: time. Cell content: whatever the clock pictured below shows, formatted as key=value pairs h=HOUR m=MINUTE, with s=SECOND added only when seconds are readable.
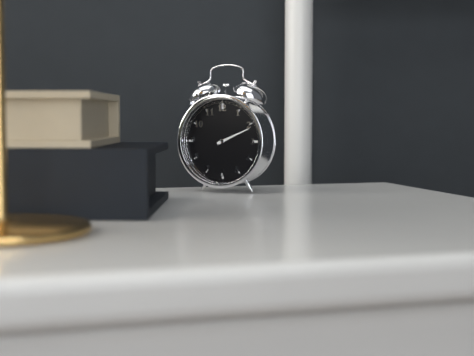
h=2 m=11
